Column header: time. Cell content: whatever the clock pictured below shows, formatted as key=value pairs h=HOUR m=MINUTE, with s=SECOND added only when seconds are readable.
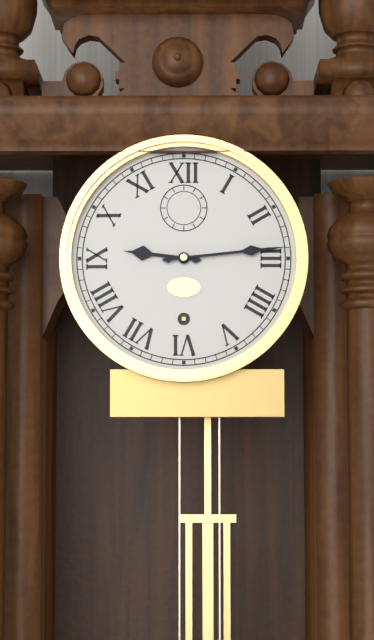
h=9 m=14
